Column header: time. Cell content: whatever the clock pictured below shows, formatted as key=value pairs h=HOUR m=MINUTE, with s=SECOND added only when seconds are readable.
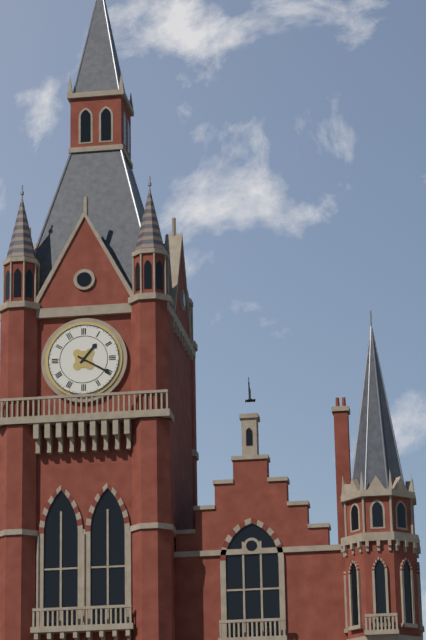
h=1 m=20
